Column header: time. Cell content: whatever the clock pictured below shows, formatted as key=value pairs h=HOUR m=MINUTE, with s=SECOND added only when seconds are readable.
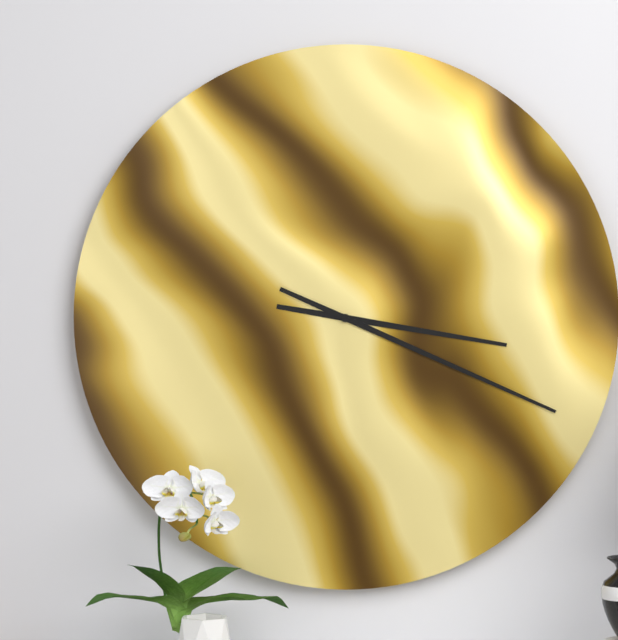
h=3 m=19
